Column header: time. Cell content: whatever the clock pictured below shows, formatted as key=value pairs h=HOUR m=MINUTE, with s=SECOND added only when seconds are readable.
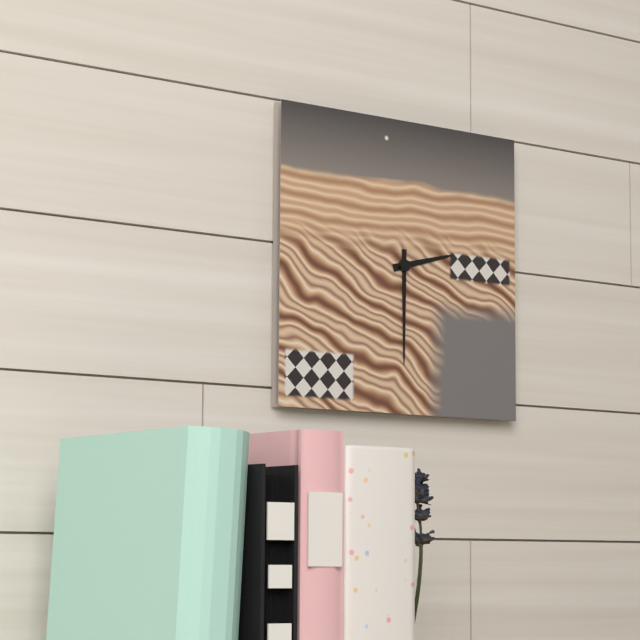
h=2 m=30
